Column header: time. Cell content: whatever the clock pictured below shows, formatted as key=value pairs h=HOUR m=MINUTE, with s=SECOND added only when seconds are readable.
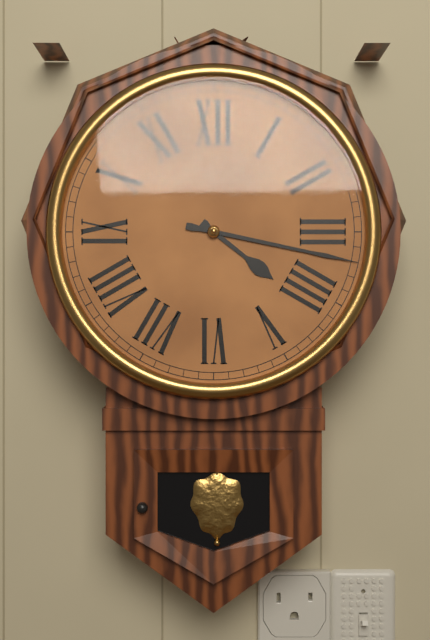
h=4 m=17
